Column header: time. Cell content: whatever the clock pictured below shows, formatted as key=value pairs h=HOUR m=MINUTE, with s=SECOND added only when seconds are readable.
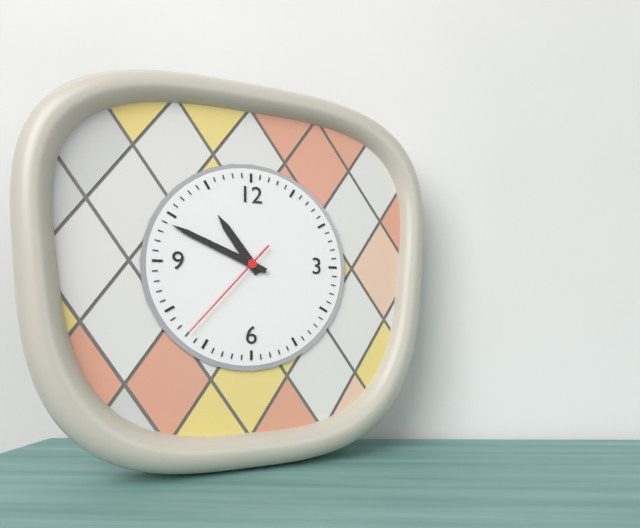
h=10 m=49 s=37
